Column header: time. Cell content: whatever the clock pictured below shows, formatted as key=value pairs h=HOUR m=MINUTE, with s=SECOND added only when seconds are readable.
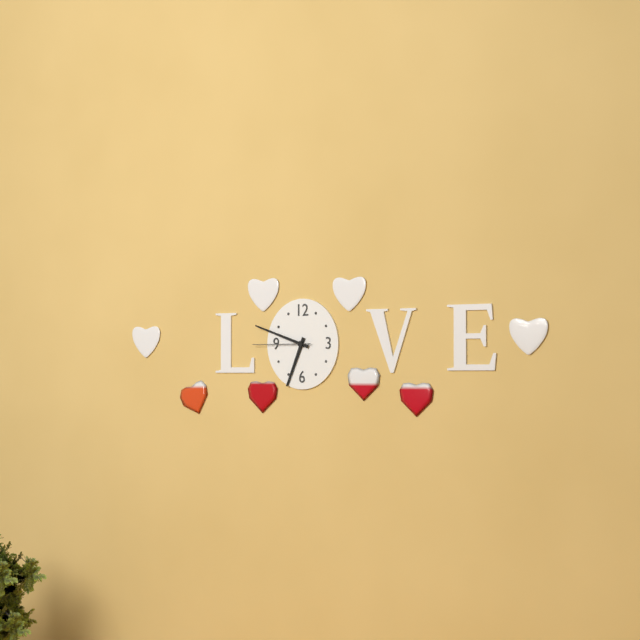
h=6 m=48 s=45
